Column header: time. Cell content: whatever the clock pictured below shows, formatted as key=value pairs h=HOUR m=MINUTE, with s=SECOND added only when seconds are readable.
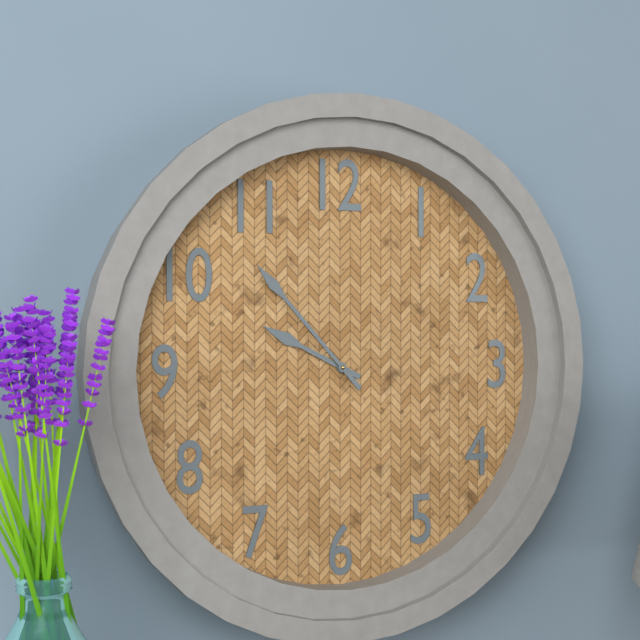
h=9 m=53
